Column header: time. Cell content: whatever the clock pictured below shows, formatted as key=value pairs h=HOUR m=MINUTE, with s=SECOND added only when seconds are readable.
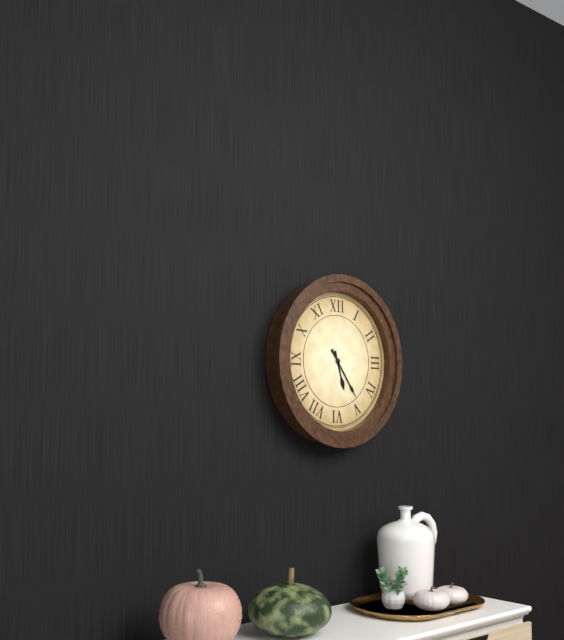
h=5 m=24
